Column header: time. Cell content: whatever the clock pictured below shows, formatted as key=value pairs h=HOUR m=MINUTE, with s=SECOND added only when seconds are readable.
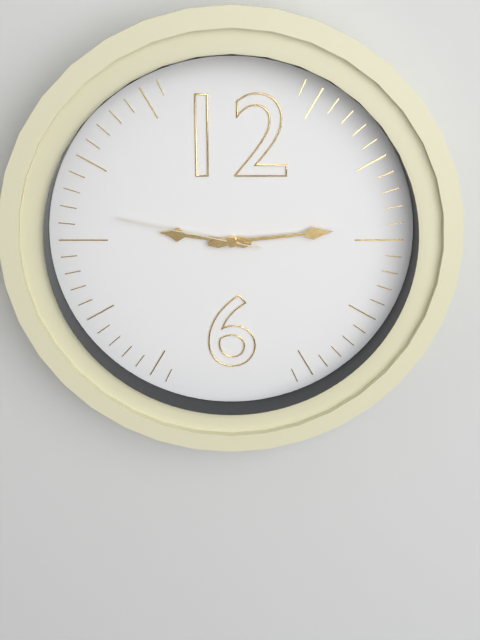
h=9 m=14 s=47
